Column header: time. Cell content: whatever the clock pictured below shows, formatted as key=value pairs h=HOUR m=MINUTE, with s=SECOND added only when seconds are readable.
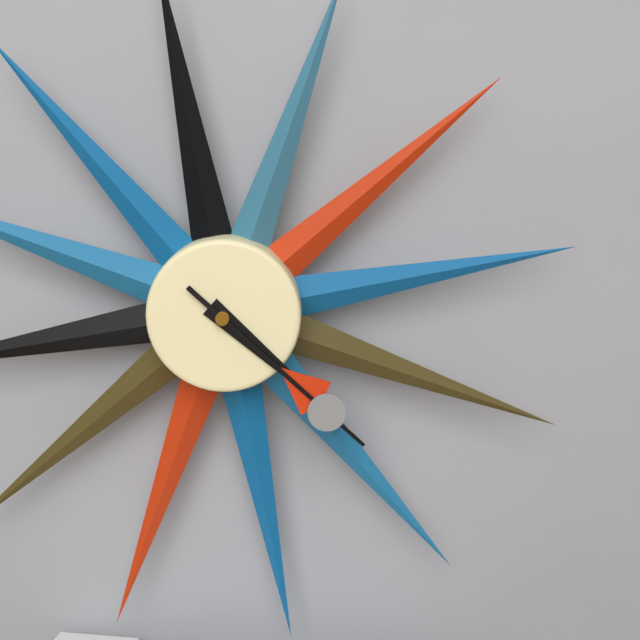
h=4 m=22
